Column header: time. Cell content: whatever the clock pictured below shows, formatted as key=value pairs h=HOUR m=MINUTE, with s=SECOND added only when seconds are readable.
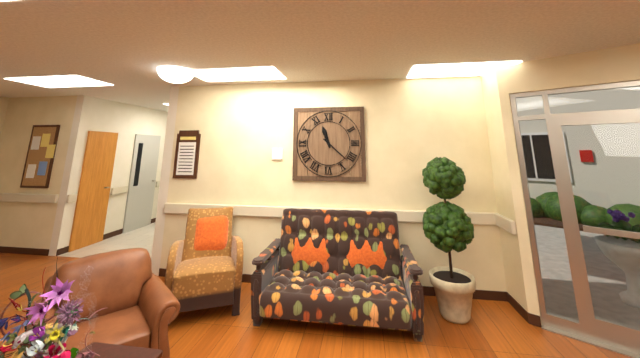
h=11 m=22
